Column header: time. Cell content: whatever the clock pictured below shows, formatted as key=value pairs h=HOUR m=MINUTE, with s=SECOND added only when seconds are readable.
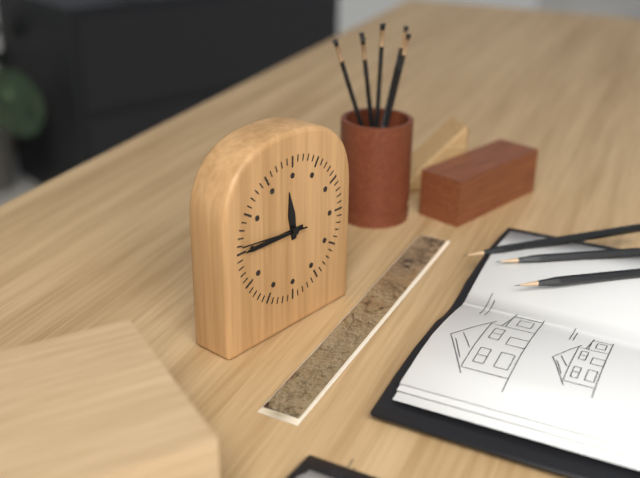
h=11 m=45 s=46
